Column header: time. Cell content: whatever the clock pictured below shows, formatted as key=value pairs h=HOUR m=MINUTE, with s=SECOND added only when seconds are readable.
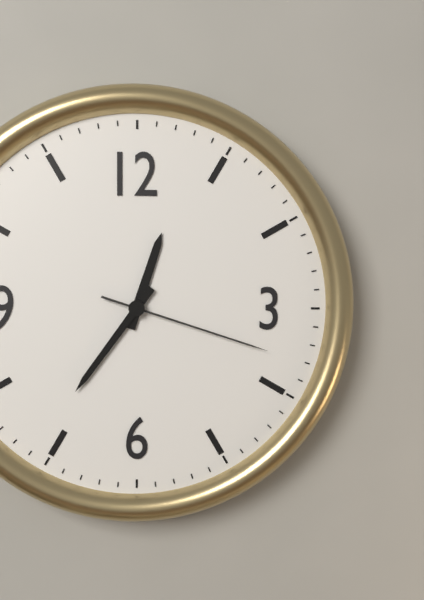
h=12 m=36 s=18
